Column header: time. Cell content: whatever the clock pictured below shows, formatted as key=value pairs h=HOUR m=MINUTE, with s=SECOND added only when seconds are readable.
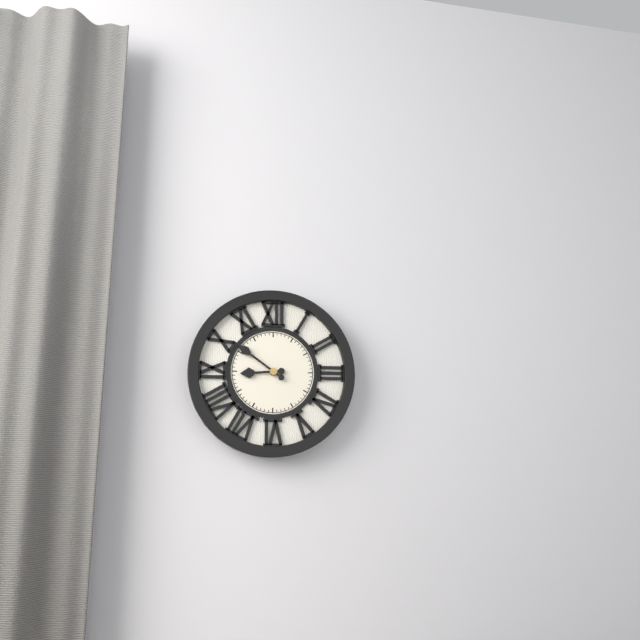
h=8 m=51
